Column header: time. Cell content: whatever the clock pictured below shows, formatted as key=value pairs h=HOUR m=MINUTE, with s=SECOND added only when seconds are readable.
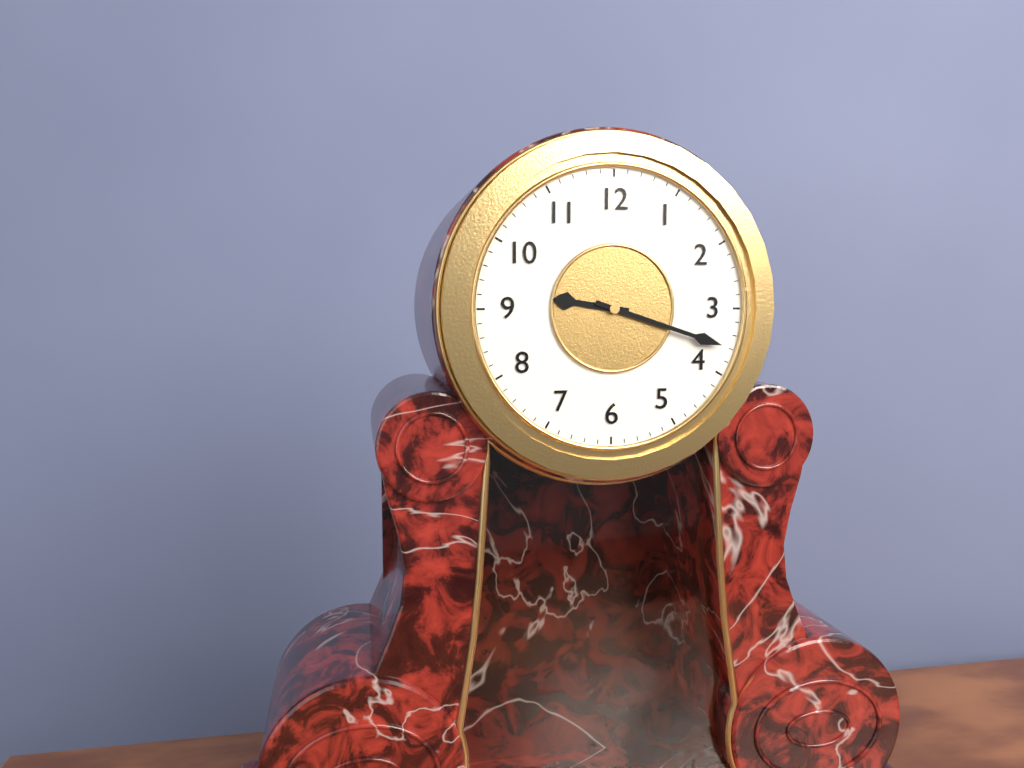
h=9 m=18
